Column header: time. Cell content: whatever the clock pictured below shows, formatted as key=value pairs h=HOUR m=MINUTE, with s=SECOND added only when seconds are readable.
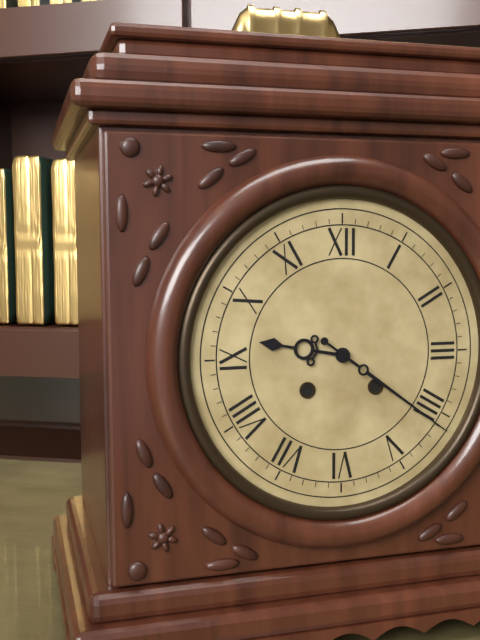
h=9 m=21
